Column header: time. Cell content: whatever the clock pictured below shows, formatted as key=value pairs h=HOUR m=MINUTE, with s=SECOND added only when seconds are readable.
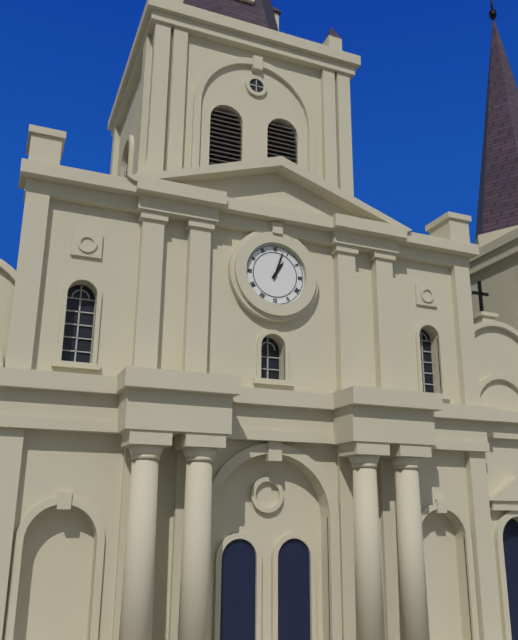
h=1 m=3
